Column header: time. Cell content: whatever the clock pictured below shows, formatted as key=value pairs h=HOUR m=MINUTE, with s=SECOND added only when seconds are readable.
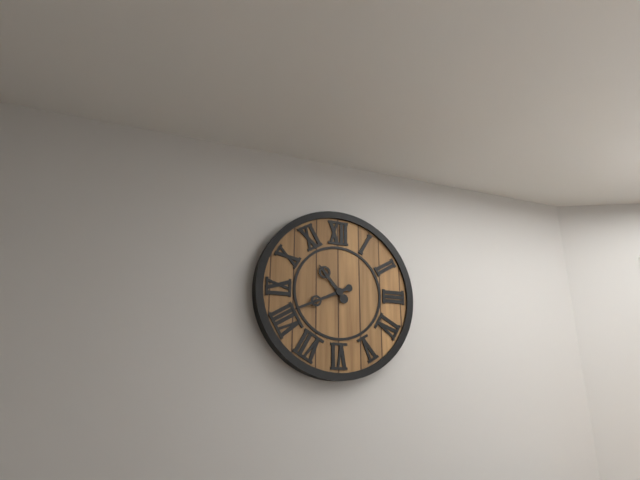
h=10 m=41
